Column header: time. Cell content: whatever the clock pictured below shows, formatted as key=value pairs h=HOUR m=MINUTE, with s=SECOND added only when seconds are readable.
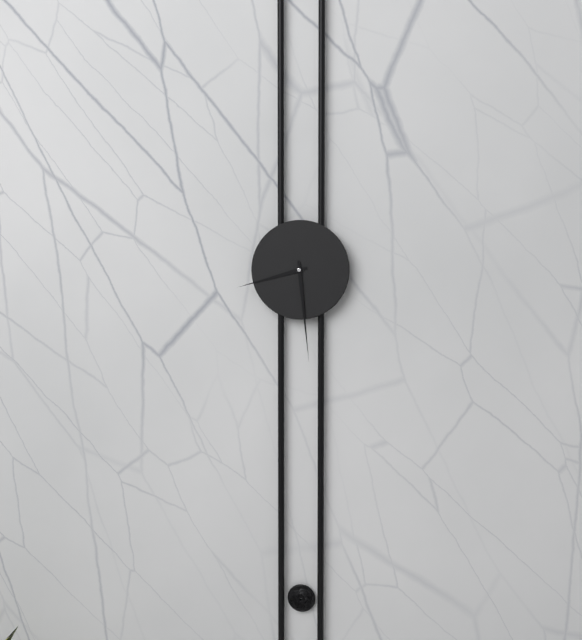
h=8 m=29
